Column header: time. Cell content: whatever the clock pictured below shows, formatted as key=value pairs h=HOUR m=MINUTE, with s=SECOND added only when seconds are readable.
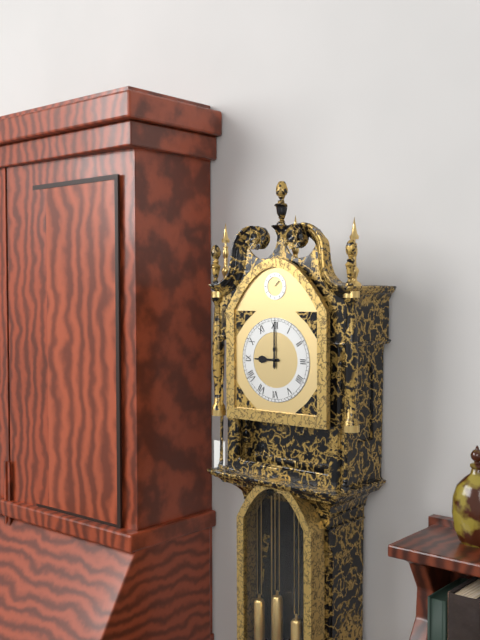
h=9 m=0
